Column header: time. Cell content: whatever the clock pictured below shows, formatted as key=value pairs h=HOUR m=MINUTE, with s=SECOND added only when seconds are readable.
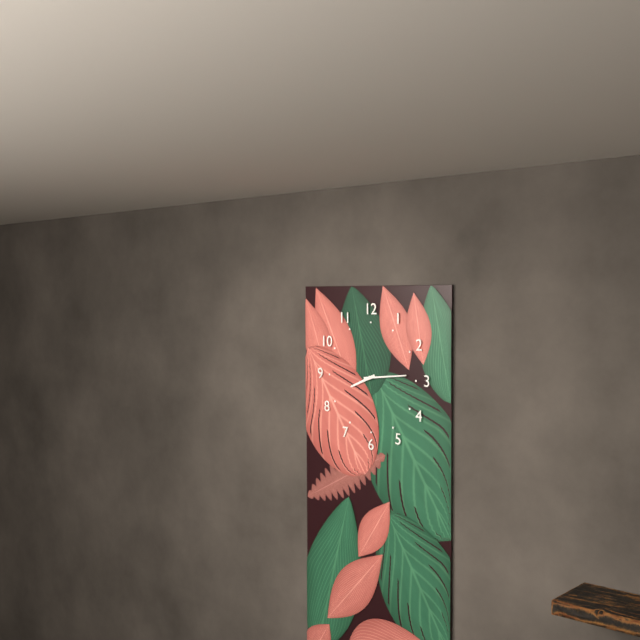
h=8 m=14
